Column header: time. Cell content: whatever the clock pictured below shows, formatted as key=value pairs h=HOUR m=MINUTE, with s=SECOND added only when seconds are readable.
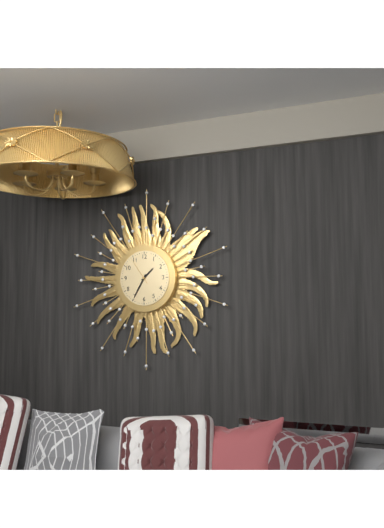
h=1 m=35
